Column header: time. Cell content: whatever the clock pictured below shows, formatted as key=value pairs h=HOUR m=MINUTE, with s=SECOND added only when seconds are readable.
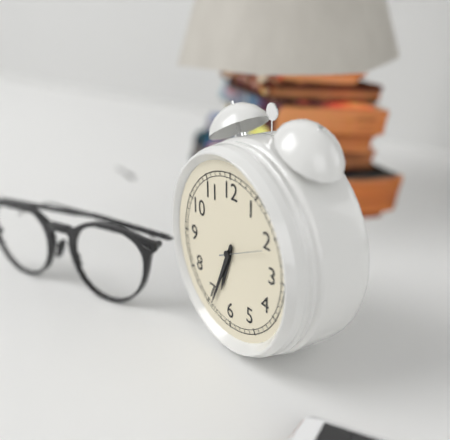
h=6 m=34
